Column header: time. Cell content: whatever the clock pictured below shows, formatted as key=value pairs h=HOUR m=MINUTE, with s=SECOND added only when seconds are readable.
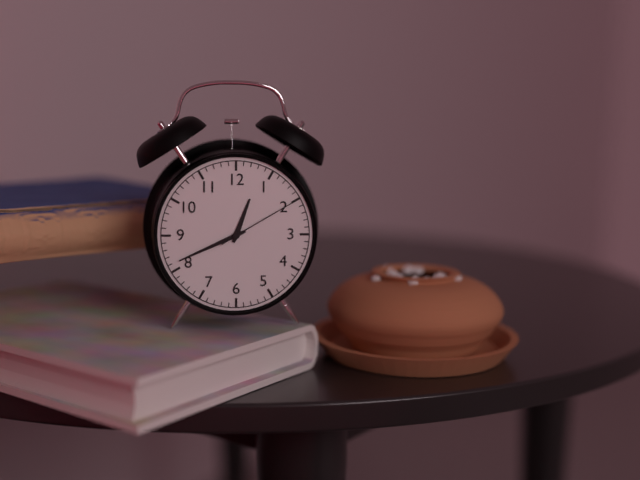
h=12 m=41 s=10
